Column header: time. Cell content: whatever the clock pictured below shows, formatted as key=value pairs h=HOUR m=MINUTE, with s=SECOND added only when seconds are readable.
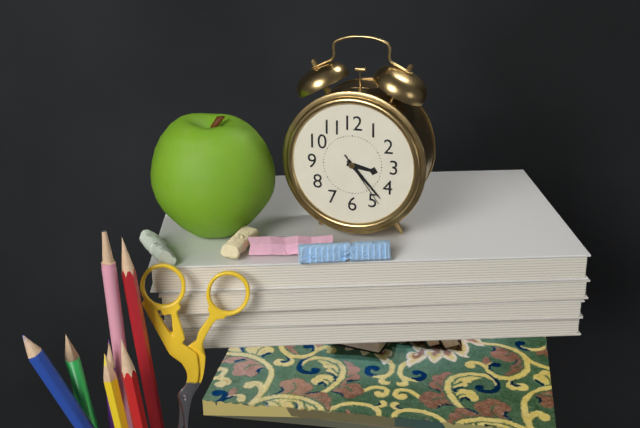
h=3 m=23 s=24
